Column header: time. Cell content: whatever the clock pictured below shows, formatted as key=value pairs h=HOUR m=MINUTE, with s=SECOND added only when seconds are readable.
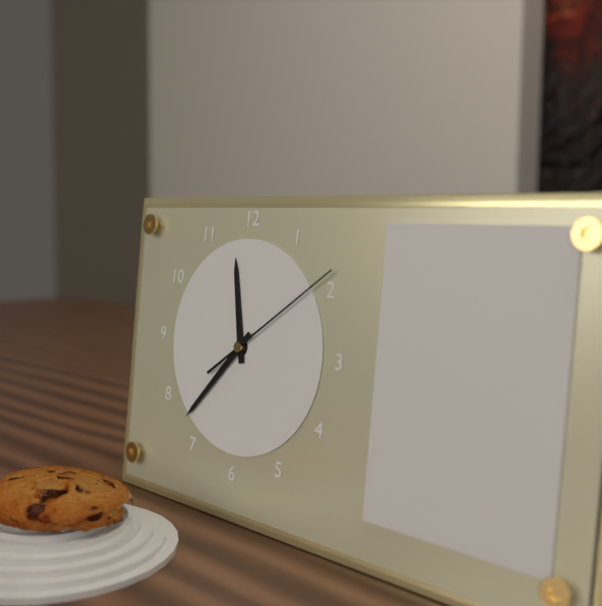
h=11 m=37 s=9
